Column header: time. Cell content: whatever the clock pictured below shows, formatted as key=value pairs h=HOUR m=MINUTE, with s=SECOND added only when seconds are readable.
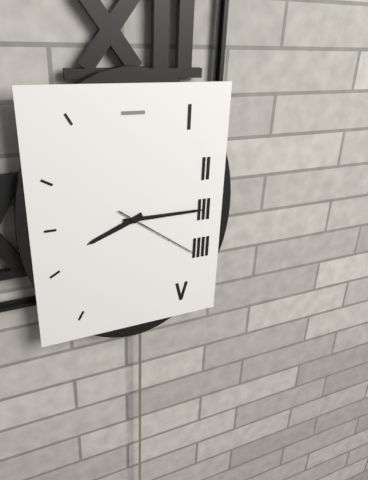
h=8 m=15 s=21
